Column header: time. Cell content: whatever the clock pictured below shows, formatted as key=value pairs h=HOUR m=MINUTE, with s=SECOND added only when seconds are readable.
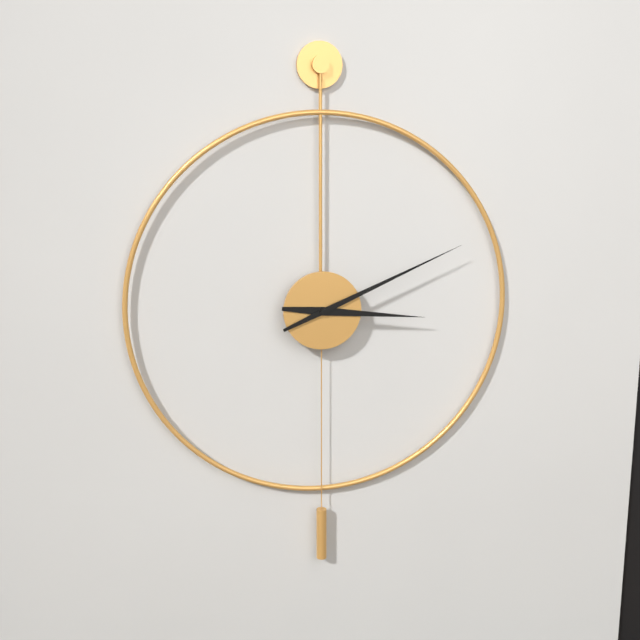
h=3 m=11
